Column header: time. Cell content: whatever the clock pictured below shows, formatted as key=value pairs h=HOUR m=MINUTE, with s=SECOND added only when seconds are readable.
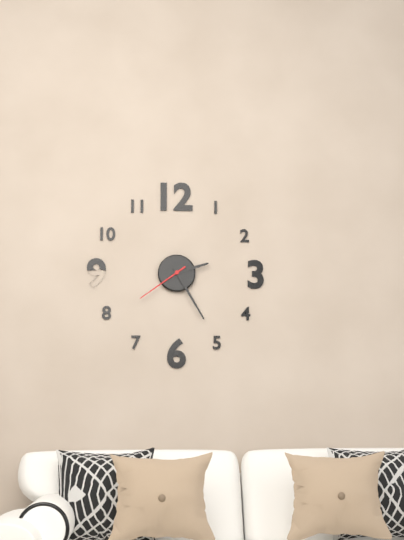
h=2 m=25 s=39
